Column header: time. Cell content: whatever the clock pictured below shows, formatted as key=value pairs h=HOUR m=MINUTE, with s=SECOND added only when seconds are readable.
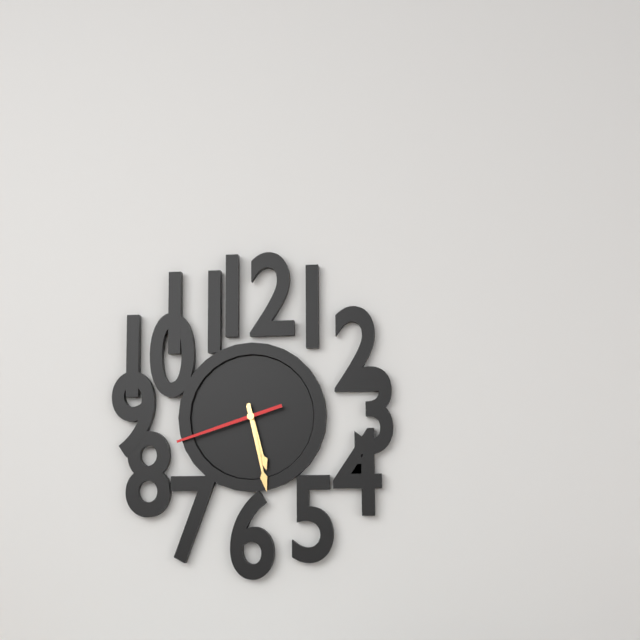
h=5 m=28 s=42
